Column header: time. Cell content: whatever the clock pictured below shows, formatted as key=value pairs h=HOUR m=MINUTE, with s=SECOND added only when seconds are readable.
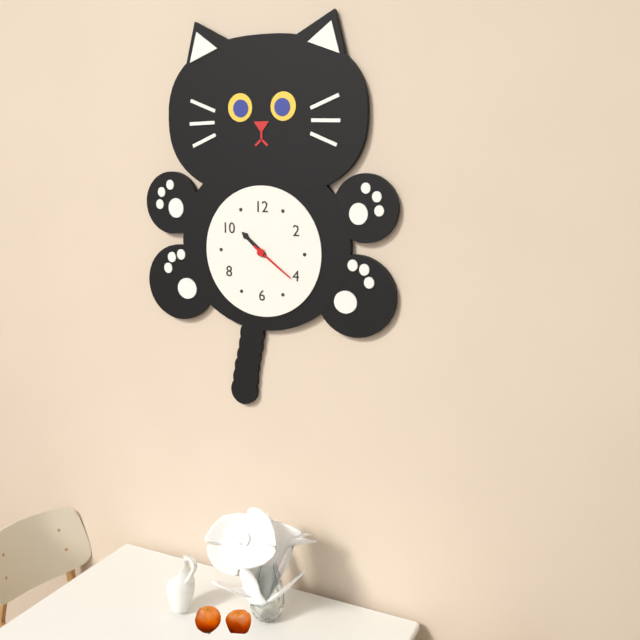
h=10 m=21
